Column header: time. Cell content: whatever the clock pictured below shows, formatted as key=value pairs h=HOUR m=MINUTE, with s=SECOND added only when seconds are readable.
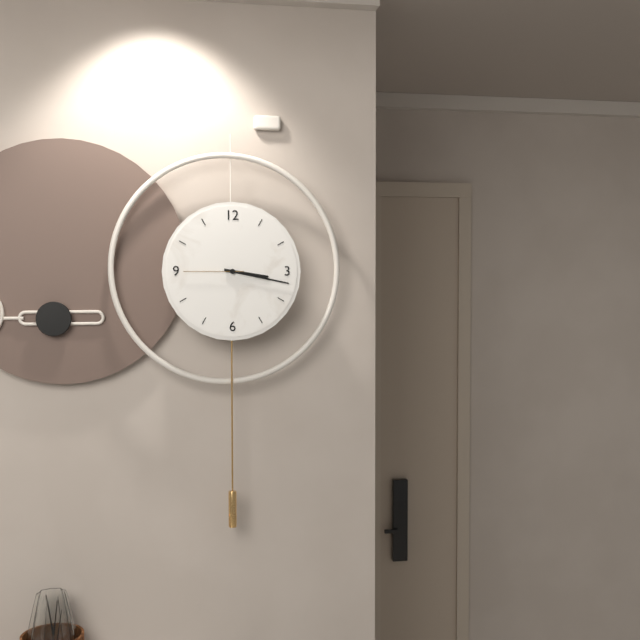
h=3 m=17 s=45
